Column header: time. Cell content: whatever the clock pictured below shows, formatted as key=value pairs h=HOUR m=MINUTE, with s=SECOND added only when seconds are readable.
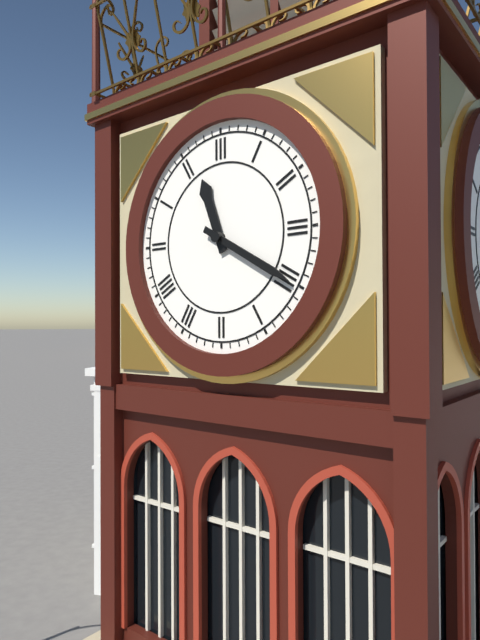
h=11 m=20
